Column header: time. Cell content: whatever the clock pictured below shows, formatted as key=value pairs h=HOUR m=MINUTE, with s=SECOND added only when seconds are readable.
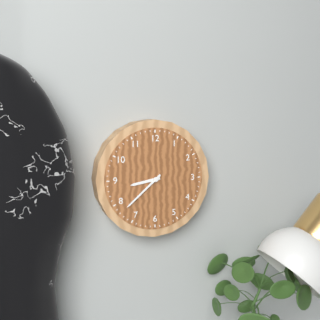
h=8 m=38
